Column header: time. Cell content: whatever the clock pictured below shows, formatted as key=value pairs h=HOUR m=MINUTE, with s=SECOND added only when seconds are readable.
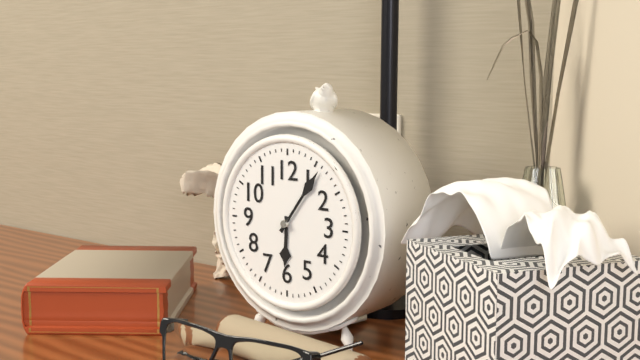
h=6 m=6
